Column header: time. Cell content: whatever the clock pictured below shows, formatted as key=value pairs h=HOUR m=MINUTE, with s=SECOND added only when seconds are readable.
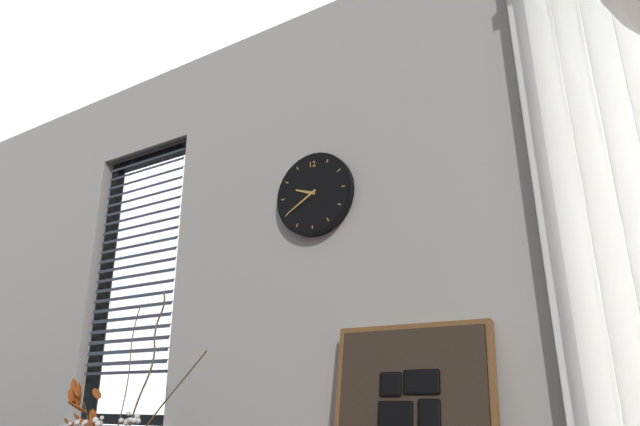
h=9 m=40
